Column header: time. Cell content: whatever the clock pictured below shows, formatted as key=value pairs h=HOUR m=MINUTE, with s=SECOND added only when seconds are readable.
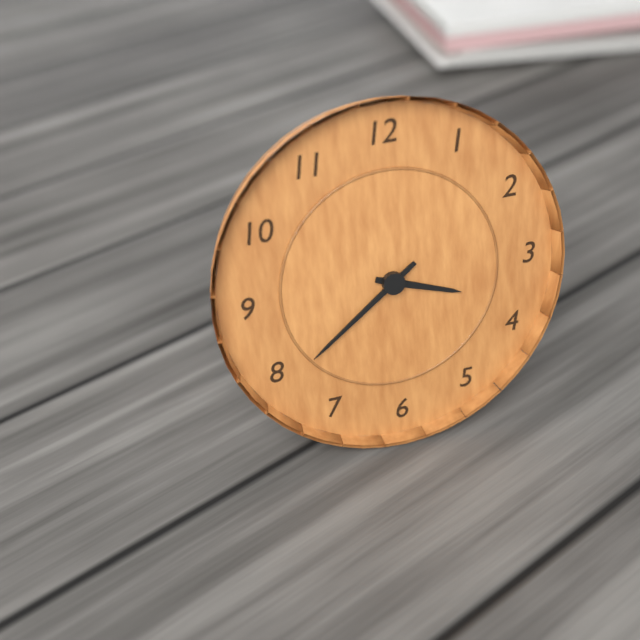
h=3 m=39
